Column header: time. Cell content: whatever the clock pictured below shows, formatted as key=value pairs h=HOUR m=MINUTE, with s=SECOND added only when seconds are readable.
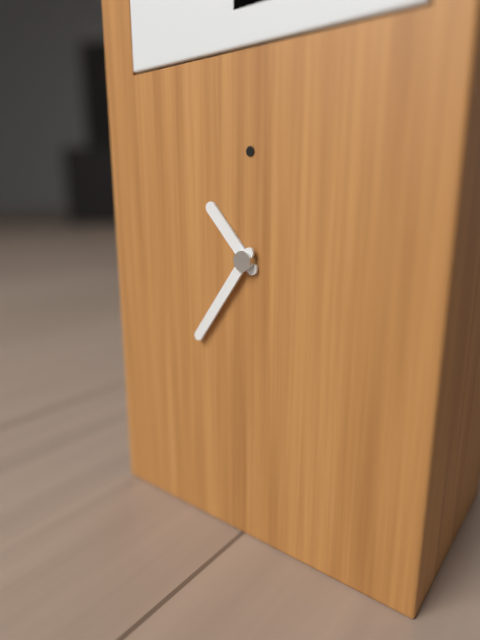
h=10 m=36
